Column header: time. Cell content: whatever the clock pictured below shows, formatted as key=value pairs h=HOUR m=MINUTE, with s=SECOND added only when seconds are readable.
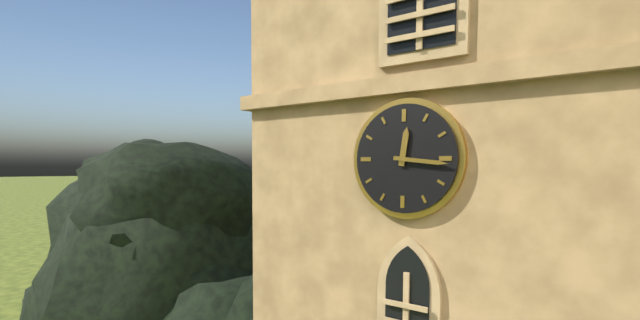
h=12 m=16
